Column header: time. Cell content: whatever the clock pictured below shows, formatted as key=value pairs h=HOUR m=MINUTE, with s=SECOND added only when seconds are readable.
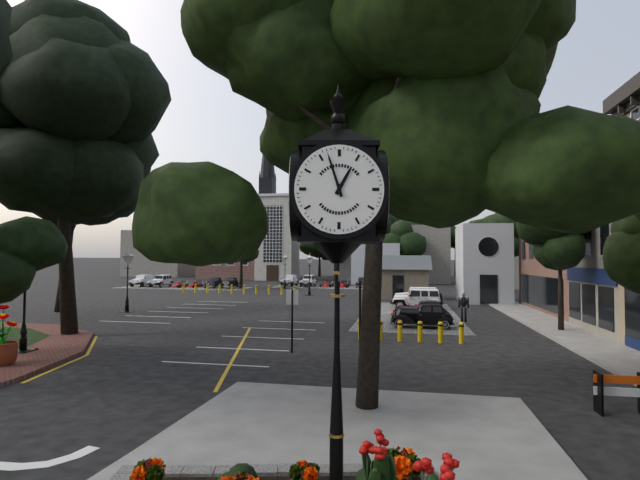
h=12 m=57
